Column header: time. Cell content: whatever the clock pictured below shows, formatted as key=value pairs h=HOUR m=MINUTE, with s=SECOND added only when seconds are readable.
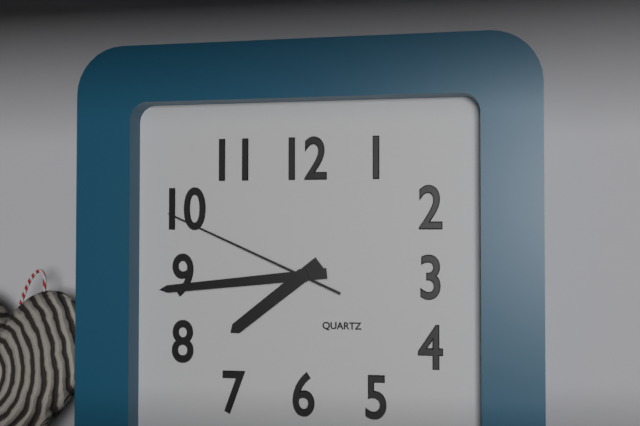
h=7 m=44 s=49
